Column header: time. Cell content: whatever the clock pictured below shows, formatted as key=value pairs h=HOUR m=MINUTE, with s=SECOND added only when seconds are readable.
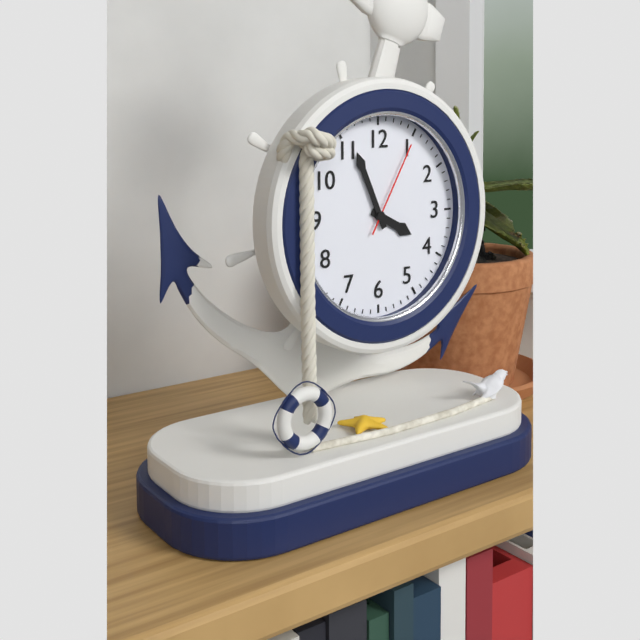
h=3 m=56 s=5
